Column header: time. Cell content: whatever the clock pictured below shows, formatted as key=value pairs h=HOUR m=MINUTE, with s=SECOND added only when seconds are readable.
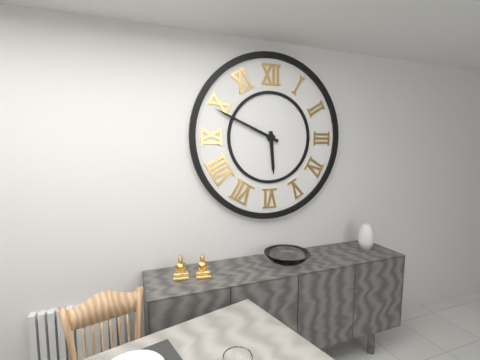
h=5 m=49
